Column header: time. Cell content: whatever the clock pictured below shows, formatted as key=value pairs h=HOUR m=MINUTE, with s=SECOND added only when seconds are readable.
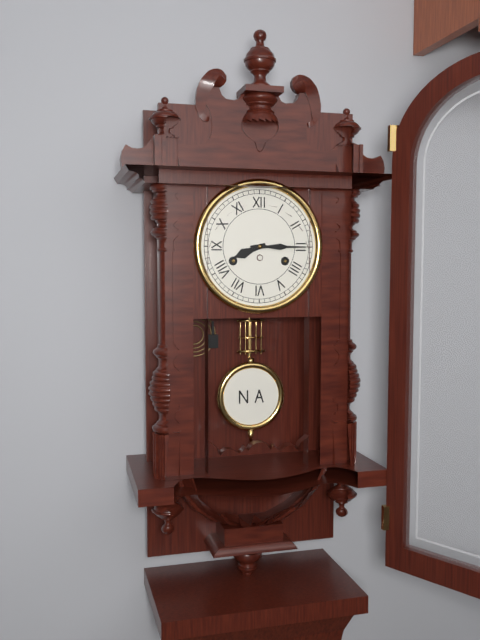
h=8 m=15
